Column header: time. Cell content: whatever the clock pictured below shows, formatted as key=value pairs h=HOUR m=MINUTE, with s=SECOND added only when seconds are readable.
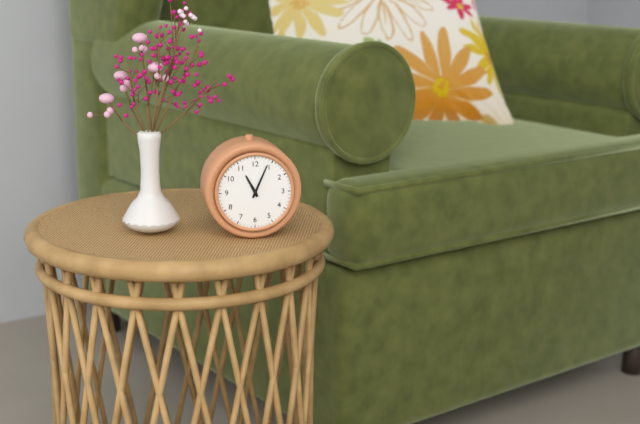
h=11 m=4
